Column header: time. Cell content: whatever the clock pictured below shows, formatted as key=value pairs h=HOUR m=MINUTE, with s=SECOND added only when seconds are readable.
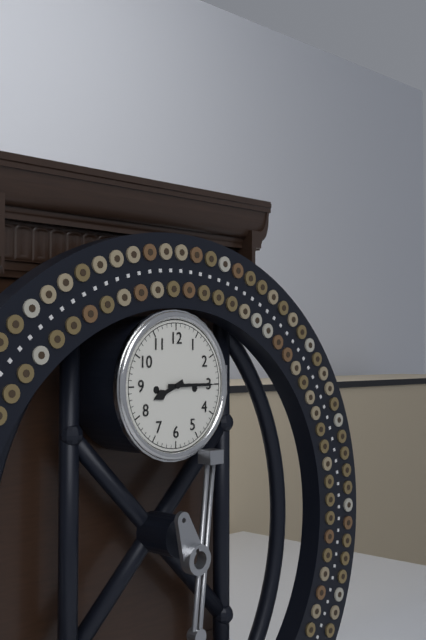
h=8 m=15
